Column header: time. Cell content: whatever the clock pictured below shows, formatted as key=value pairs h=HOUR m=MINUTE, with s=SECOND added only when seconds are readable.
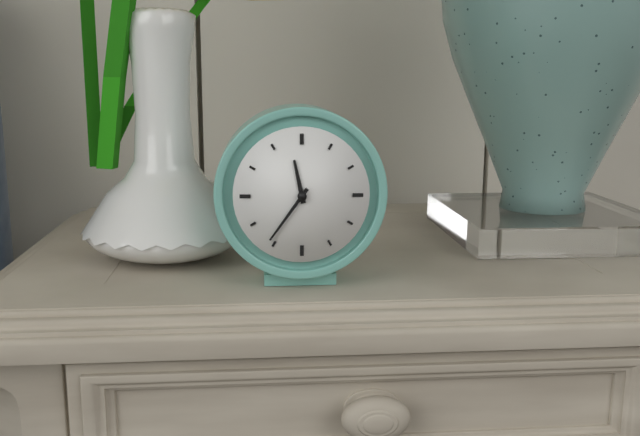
h=11 m=36
